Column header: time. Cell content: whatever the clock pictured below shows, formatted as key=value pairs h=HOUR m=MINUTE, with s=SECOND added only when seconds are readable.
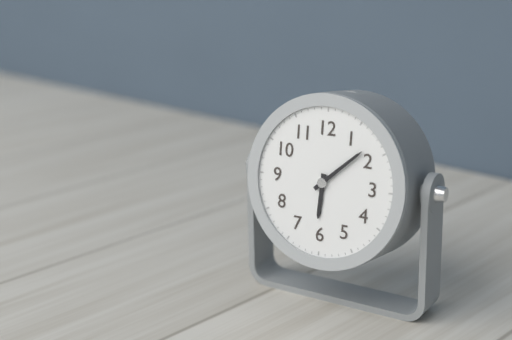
h=6 m=8
